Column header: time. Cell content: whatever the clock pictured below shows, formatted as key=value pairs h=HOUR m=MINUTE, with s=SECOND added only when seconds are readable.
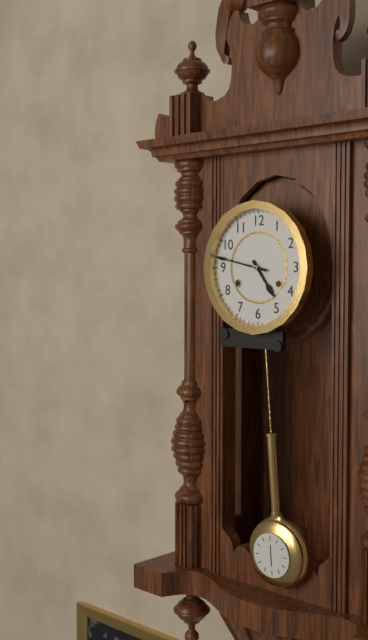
h=4 m=47
